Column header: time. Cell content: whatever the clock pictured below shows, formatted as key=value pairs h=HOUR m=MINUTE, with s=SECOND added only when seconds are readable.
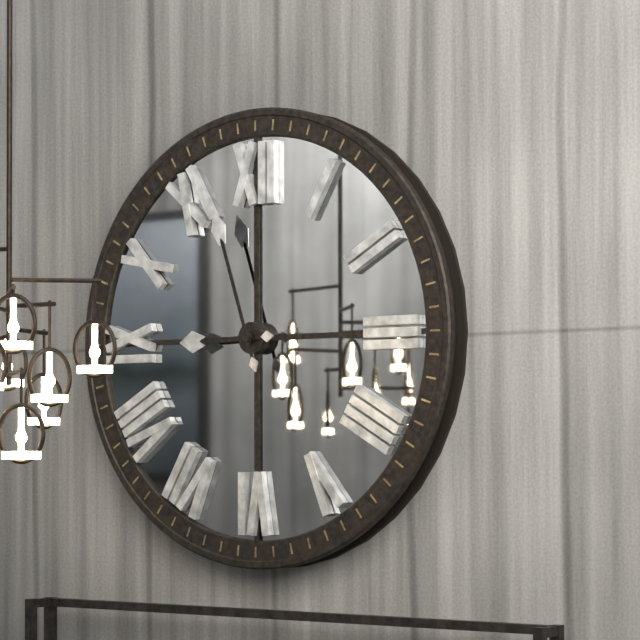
h=8 m=57
